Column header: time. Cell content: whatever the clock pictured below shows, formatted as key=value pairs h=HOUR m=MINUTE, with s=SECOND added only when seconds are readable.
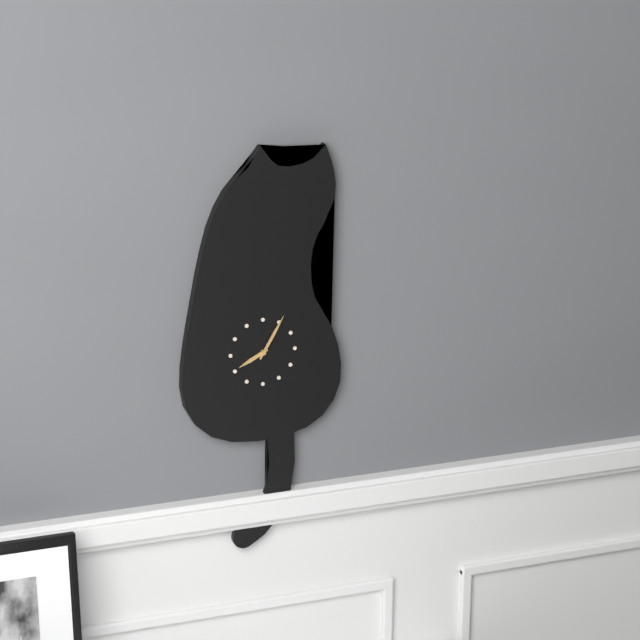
h=8 m=5
